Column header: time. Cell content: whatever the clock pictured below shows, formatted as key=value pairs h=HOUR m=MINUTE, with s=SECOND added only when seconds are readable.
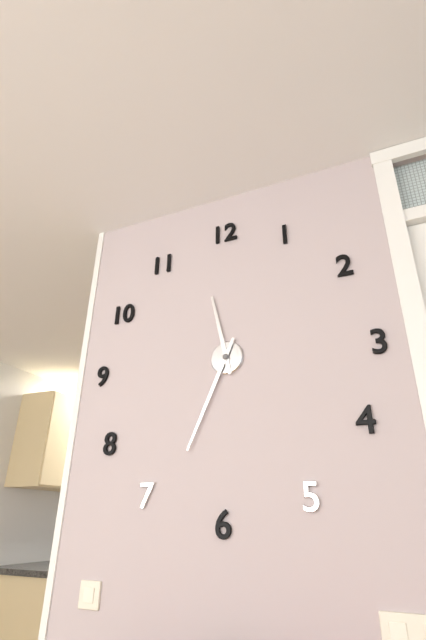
h=11 m=34
